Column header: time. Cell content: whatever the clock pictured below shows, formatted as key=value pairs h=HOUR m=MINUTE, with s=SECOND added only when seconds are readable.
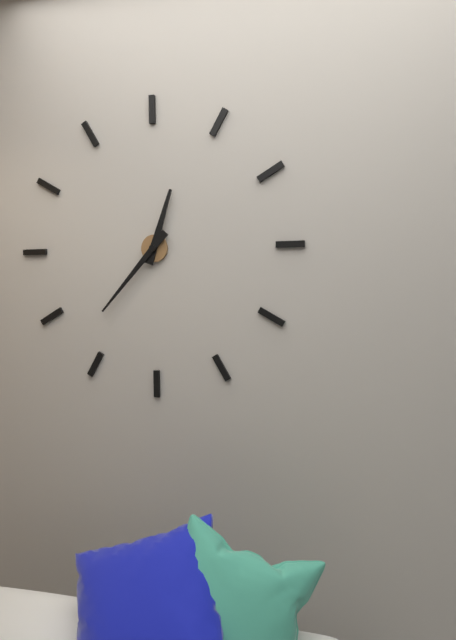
h=12 m=37
